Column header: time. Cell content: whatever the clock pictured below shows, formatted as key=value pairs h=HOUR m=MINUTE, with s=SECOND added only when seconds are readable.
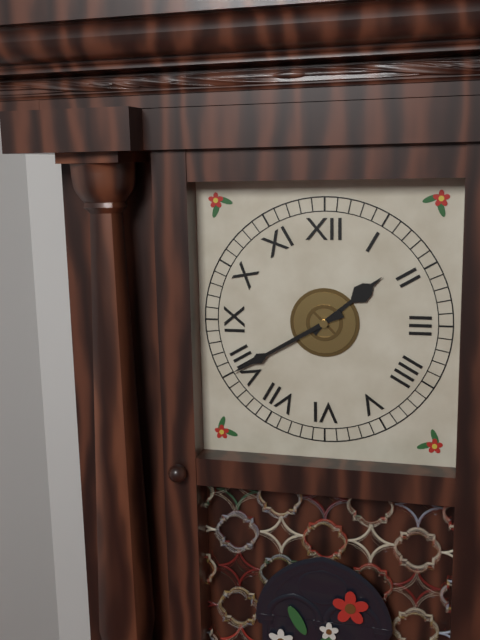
h=1 m=40
